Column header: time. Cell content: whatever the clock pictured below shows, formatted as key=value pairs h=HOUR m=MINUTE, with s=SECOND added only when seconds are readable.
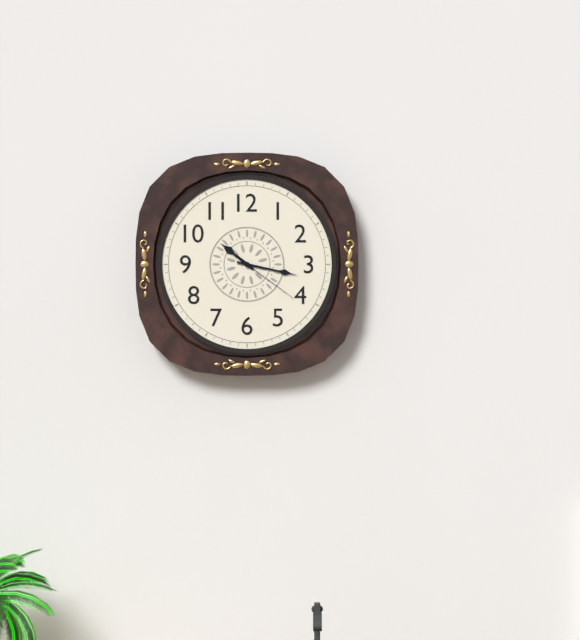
h=10 m=17 s=21
